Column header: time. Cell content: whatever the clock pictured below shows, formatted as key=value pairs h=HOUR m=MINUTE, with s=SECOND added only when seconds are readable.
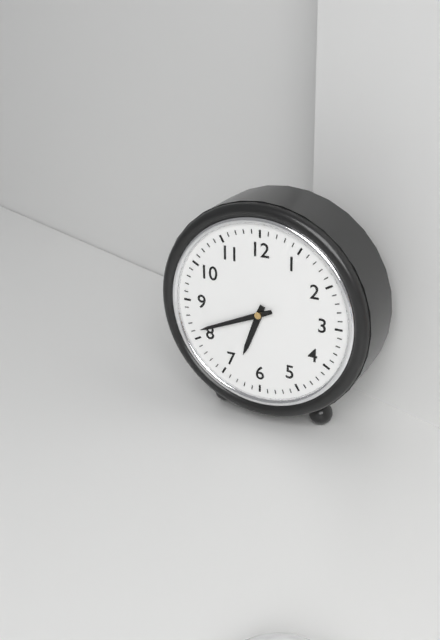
h=6 m=41
